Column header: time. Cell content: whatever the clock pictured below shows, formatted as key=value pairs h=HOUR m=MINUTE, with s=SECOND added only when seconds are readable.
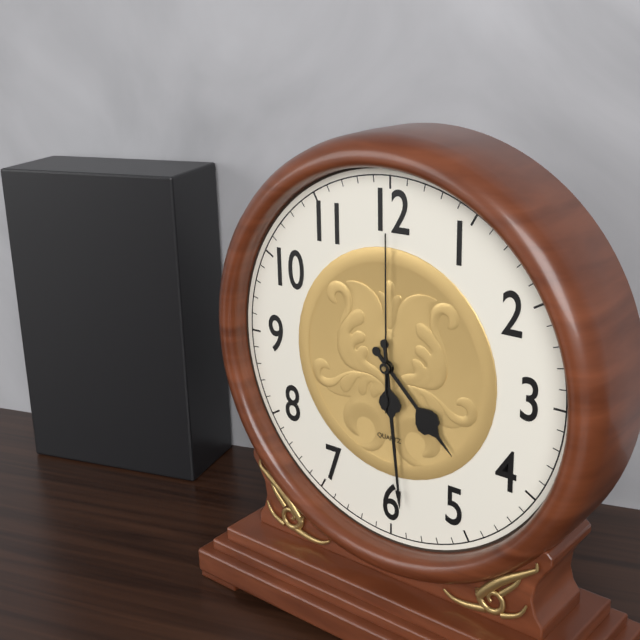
h=4 m=29 s=0
